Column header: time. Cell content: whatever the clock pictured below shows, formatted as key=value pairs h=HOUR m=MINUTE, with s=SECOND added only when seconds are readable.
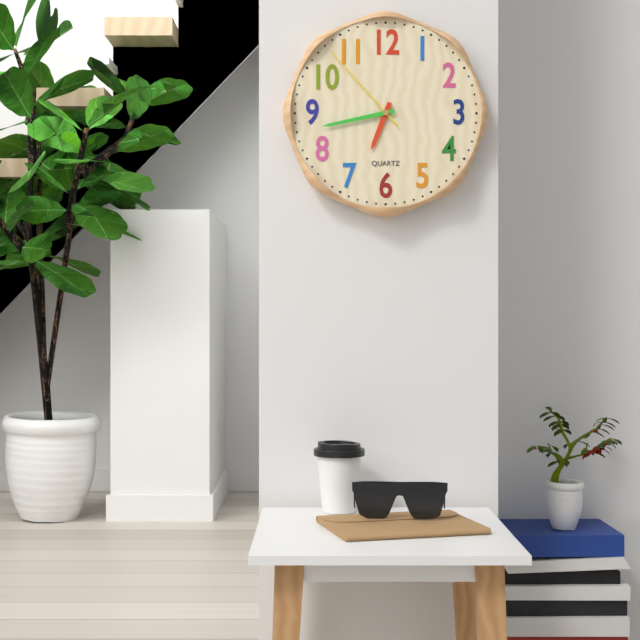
h=6 m=43 s=53
